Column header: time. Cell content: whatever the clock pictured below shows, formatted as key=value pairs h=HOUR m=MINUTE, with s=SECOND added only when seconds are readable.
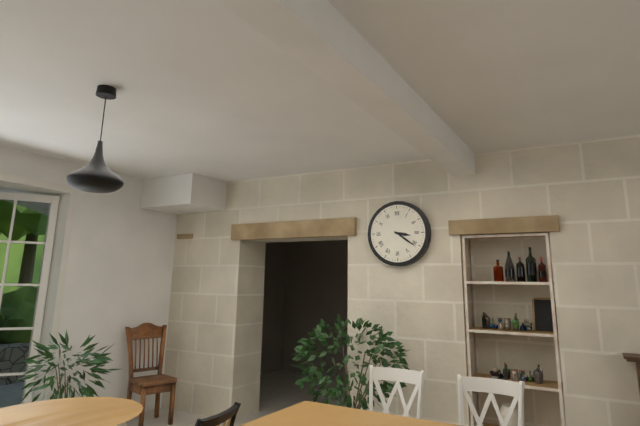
h=3 m=21
